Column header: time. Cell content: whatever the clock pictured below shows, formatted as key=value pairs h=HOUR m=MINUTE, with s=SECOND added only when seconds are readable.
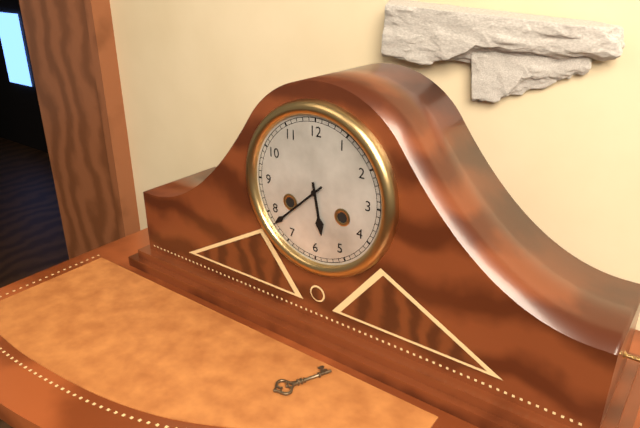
h=5 m=38
